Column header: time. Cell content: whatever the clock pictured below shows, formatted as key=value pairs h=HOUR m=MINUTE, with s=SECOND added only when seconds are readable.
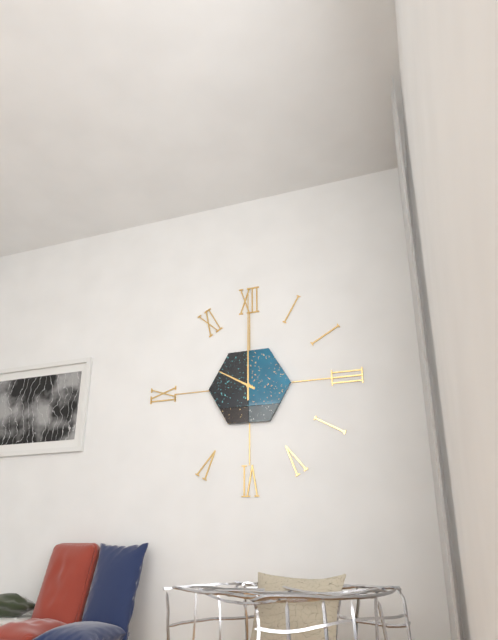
h=10 m=0
